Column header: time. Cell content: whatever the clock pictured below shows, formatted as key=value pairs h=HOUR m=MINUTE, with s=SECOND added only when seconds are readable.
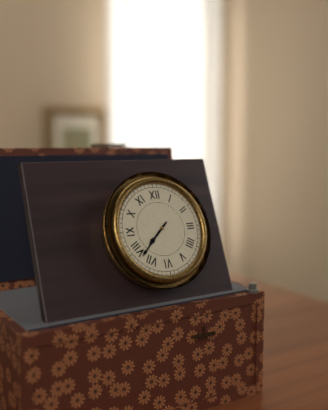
h=7 m=38
